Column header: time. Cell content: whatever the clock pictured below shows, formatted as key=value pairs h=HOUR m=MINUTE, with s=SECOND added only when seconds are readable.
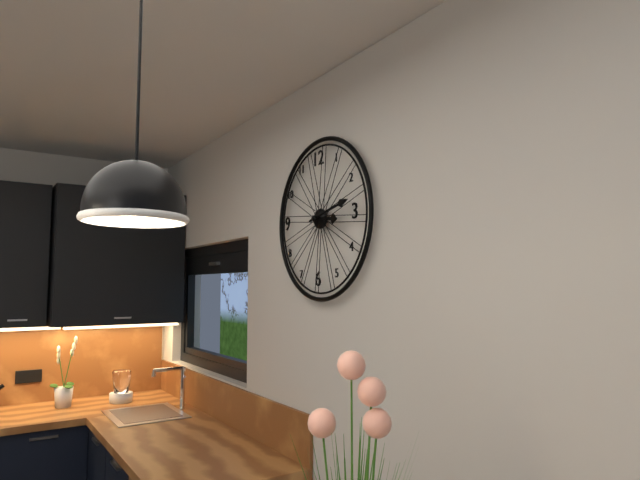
h=3 m=13
